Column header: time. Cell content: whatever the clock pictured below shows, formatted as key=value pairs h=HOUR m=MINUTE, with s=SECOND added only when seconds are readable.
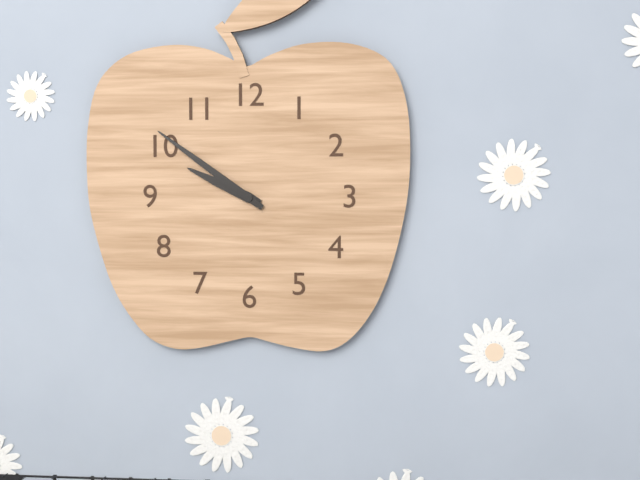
h=9 m=51
